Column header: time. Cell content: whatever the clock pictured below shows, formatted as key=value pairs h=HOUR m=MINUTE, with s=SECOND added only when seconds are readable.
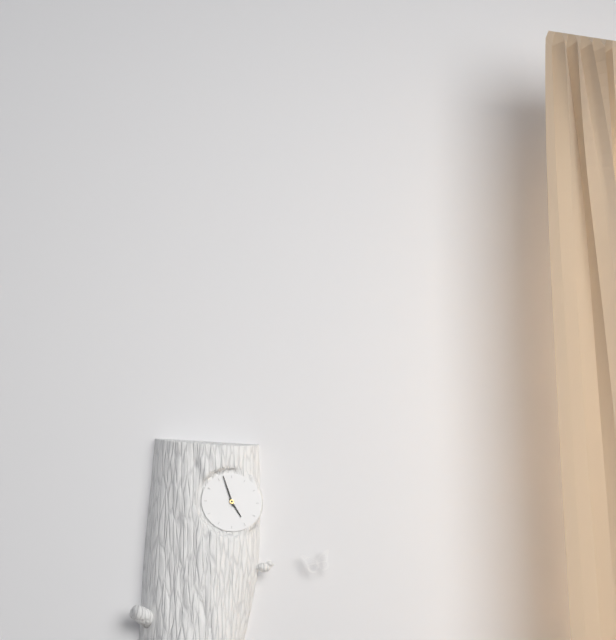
h=4 m=57
